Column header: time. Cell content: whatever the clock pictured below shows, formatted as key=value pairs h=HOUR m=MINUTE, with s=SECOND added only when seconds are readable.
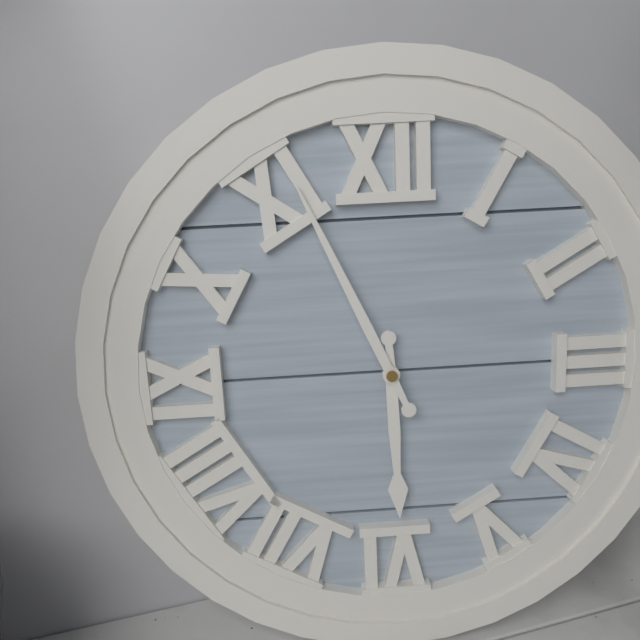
h=5 m=56
